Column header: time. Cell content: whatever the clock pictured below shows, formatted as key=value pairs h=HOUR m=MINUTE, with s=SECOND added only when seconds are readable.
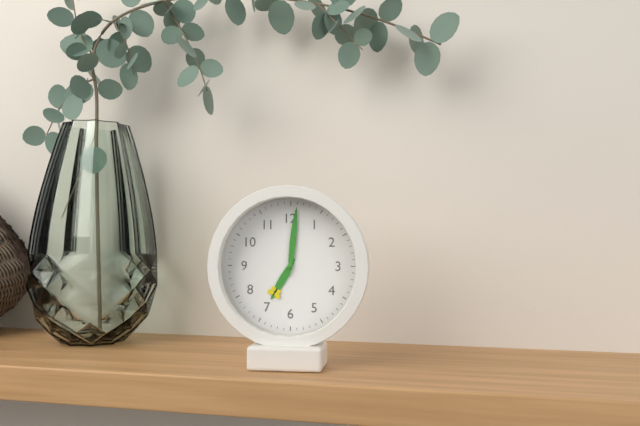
h=7 m=1
